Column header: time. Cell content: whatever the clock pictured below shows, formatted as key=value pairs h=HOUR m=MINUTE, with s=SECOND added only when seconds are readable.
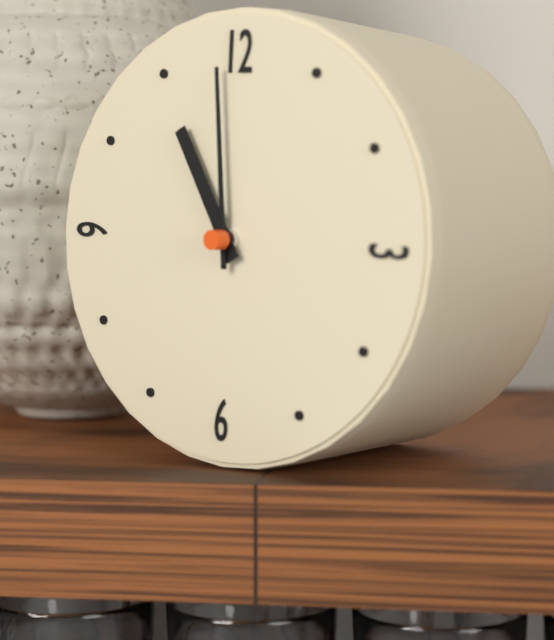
h=10 m=59
